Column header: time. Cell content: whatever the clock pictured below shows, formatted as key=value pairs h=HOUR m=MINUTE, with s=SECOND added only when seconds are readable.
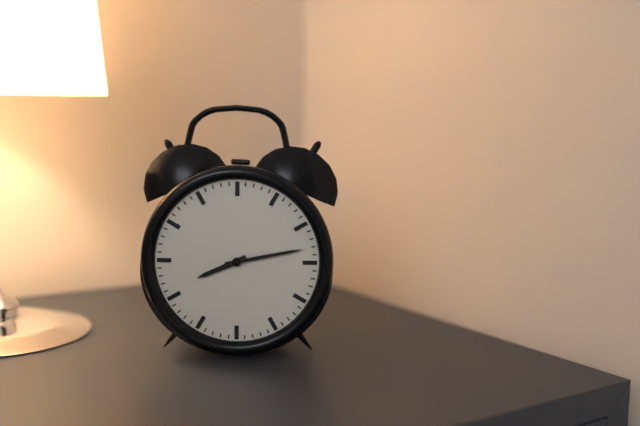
h=8 m=13
